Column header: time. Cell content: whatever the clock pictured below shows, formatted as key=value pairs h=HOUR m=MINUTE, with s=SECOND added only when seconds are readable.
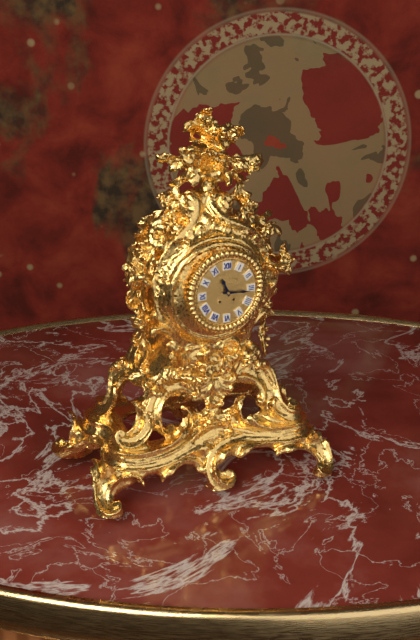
h=11 m=16
